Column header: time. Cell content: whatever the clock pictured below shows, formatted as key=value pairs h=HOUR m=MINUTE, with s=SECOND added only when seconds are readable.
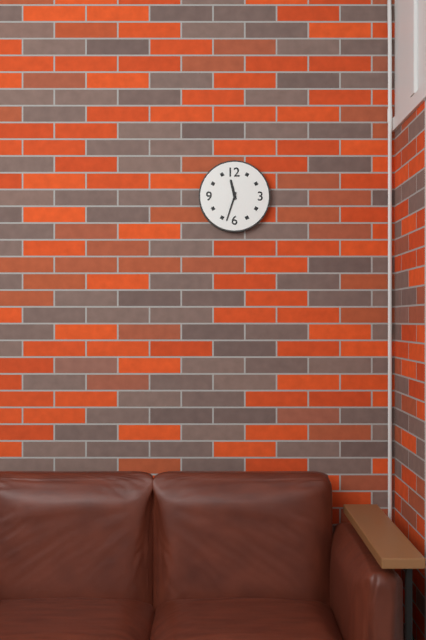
h=11 m=33
